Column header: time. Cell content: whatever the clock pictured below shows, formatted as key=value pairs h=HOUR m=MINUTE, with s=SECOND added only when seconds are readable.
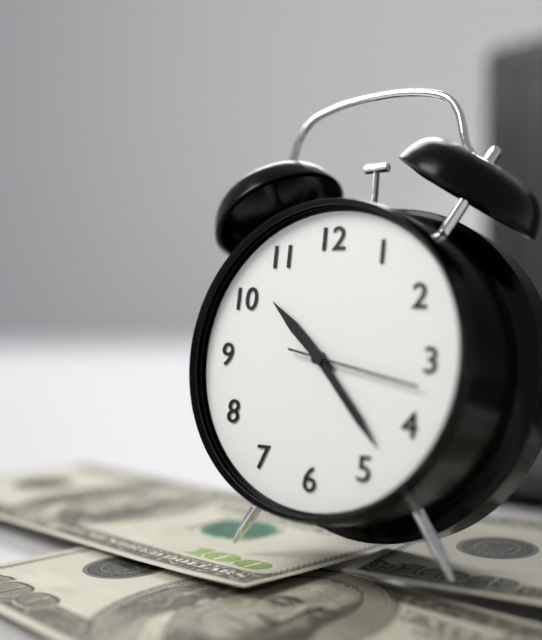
h=10 m=23 s=17
